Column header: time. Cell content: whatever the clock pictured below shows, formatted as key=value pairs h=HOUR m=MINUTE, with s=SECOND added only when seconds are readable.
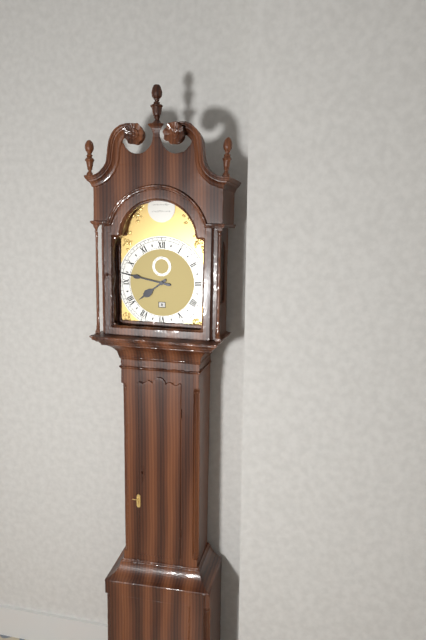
h=7 m=47
